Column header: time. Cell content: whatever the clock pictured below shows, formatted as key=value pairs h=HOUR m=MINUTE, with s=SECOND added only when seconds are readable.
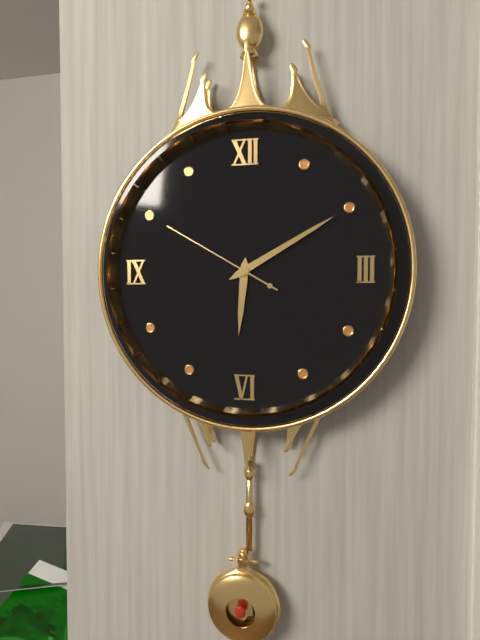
h=6 m=10 s=50
